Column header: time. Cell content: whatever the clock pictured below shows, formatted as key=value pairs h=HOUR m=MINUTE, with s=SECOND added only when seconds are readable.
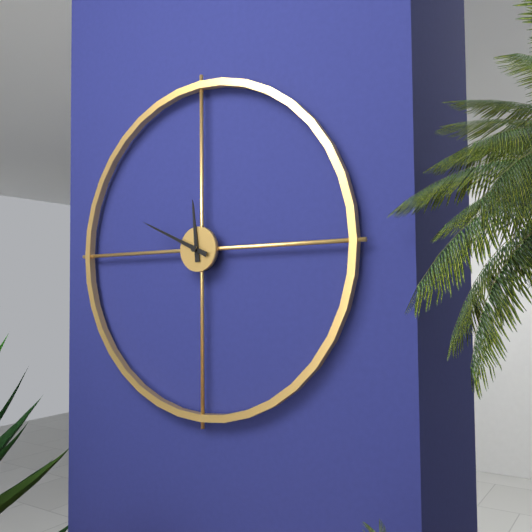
h=11 m=49
